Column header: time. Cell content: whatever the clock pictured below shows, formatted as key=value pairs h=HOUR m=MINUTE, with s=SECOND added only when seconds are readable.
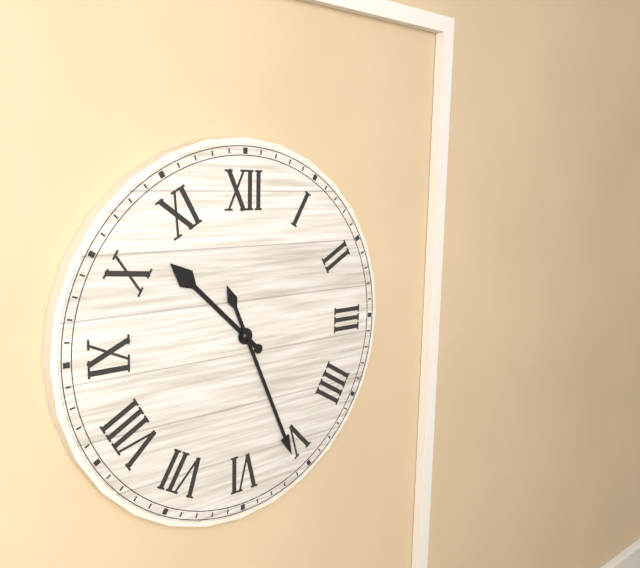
h=10 m=26
